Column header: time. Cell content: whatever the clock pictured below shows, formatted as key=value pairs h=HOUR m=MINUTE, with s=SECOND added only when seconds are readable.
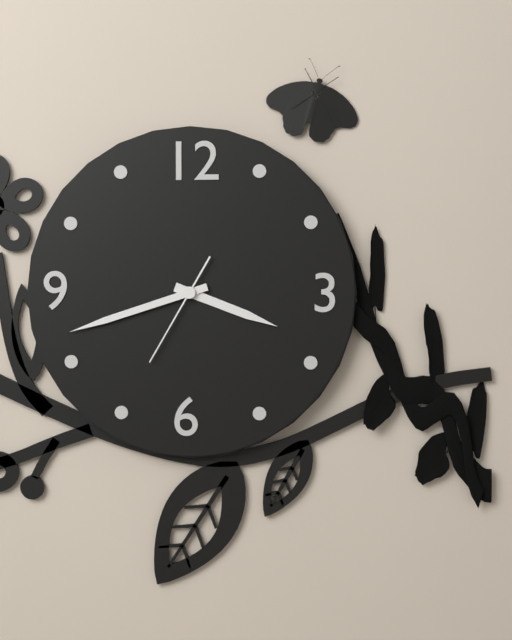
h=3 m=42 s=35
